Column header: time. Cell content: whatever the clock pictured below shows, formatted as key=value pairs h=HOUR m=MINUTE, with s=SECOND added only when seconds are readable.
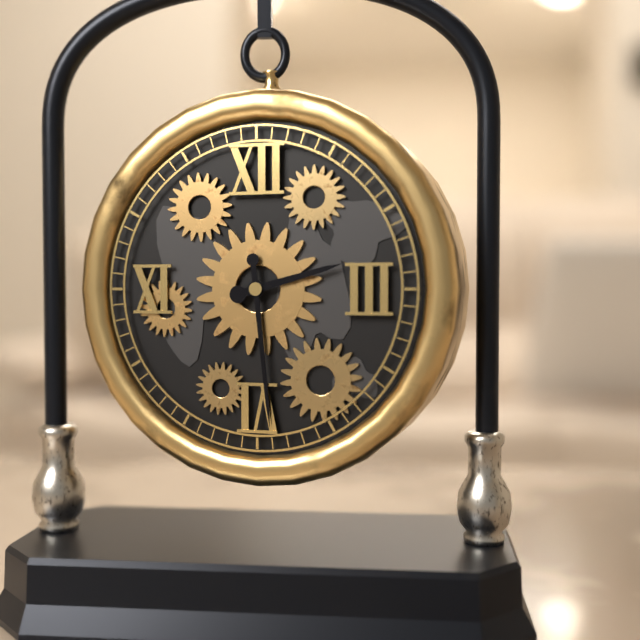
h=2 m=29
